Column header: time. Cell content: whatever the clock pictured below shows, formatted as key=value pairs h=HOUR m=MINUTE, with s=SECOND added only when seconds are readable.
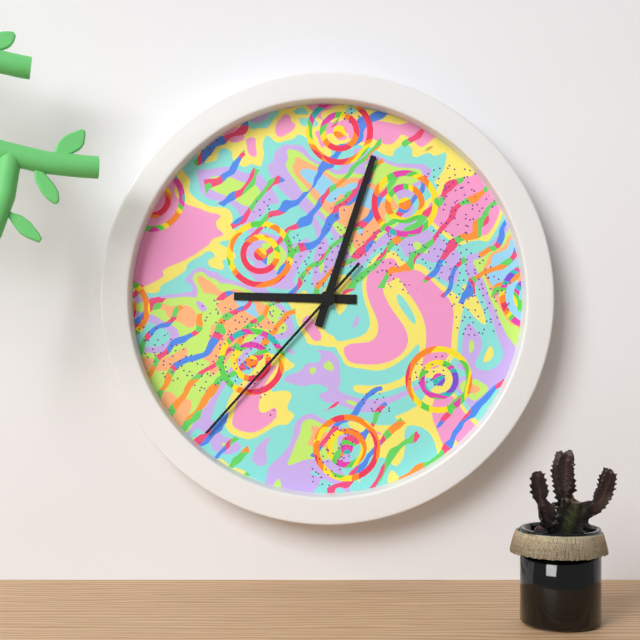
h=9 m=3 s=37
